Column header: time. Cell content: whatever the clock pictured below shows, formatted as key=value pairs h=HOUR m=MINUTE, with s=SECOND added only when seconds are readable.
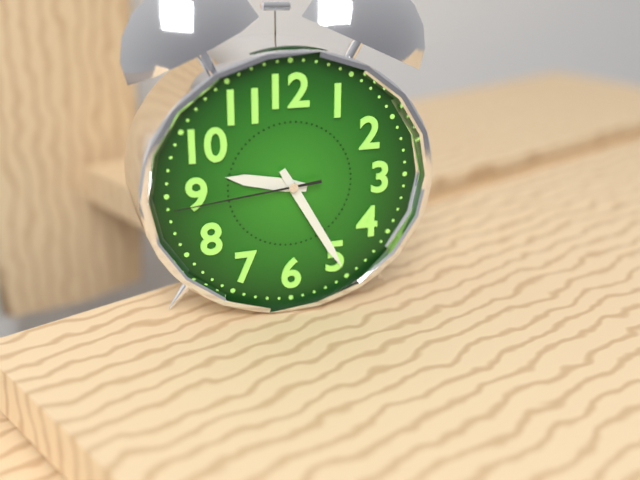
h=9 m=25 s=44
